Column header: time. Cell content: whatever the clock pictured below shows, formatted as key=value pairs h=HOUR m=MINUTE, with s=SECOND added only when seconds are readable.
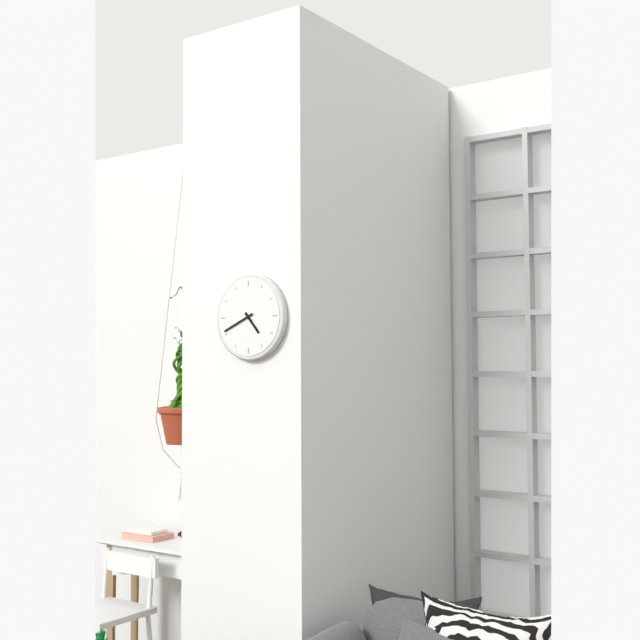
h=4 m=41
